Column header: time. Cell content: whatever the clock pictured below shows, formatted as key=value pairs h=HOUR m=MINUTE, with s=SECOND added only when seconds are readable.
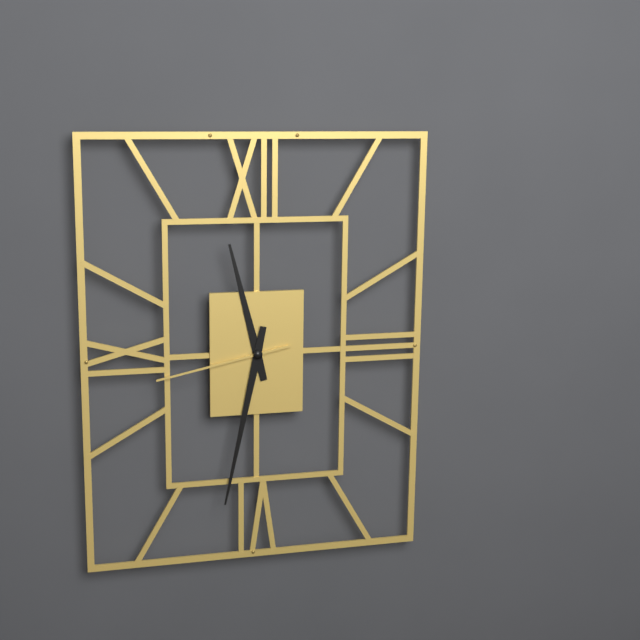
h=11 m=32 s=43
